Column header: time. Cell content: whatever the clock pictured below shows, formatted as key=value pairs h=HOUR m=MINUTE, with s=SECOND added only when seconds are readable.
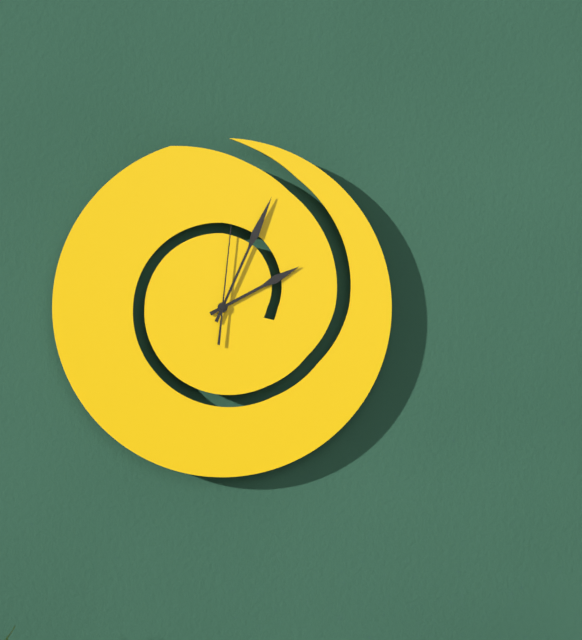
h=2 m=4 s=1
